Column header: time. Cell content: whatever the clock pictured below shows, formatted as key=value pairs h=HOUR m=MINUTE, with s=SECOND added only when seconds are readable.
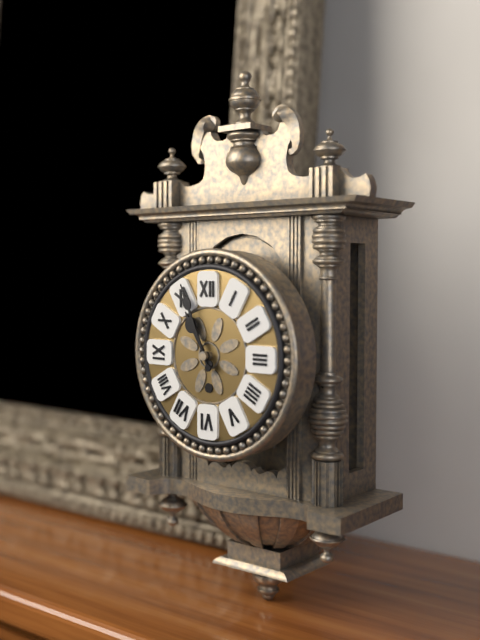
h=10 m=56
